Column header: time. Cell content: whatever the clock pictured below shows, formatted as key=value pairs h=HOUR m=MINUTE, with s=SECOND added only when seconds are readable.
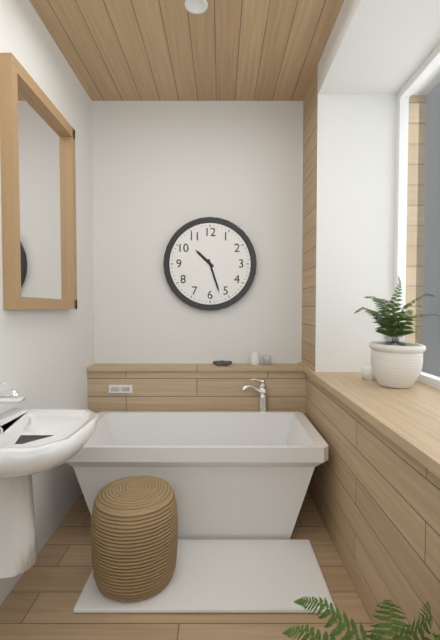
h=10 m=27
